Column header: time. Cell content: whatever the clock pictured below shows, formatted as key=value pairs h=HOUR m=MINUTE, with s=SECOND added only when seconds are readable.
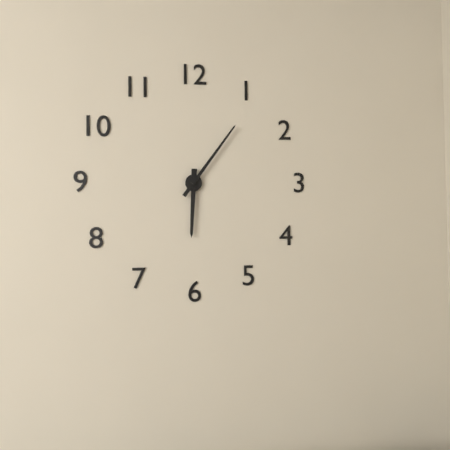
h=6 m=6
